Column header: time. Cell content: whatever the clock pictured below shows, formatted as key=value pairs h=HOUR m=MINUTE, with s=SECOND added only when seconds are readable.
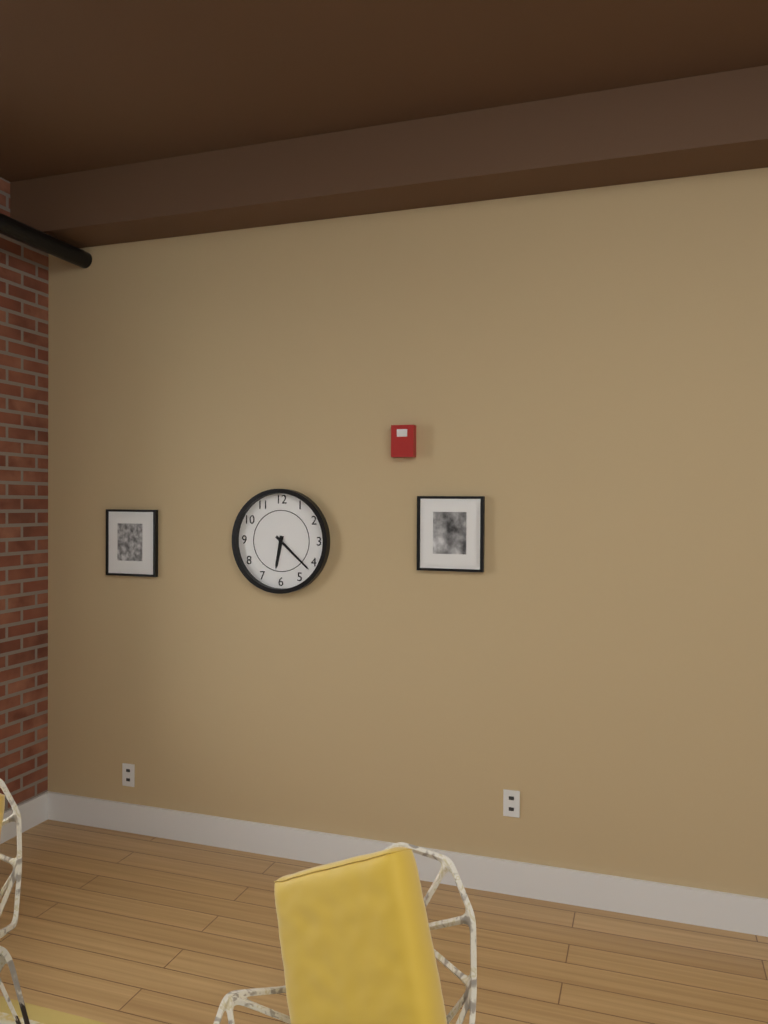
h=6 m=22
